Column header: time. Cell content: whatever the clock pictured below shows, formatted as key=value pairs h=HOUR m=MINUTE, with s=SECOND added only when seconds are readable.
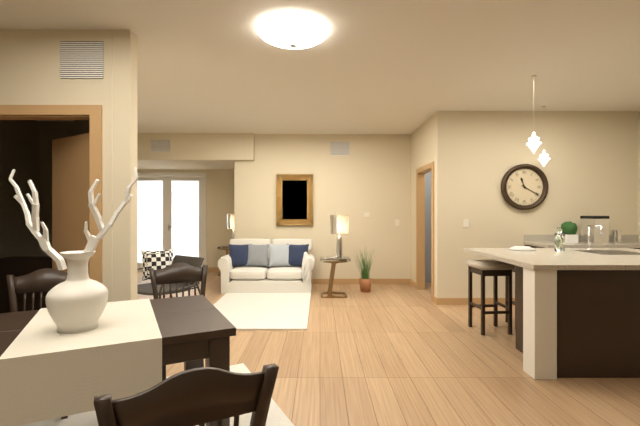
h=11 m=20
